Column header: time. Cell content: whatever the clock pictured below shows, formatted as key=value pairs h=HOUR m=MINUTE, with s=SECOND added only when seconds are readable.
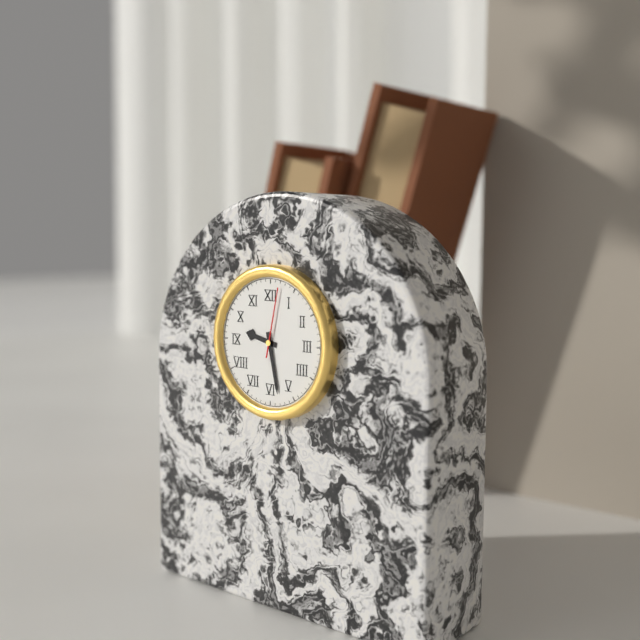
h=9 m=28 s=2
